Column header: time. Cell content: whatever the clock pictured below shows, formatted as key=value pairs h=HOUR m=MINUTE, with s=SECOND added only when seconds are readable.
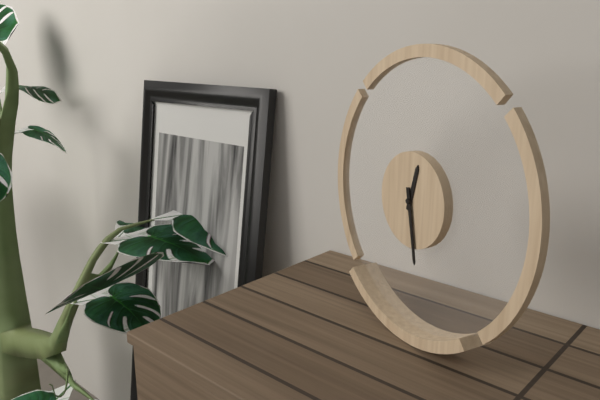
h=12 m=28
